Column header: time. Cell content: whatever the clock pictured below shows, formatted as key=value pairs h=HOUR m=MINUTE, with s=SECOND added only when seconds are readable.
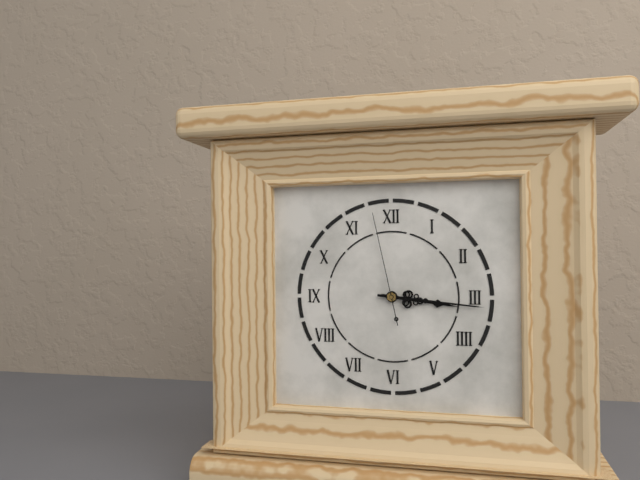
h=3 m=16 s=58
